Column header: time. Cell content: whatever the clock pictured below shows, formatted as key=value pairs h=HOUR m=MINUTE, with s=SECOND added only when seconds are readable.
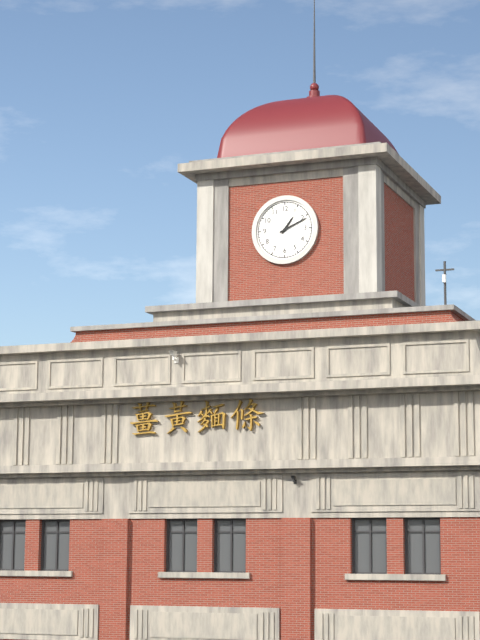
h=1 m=11
